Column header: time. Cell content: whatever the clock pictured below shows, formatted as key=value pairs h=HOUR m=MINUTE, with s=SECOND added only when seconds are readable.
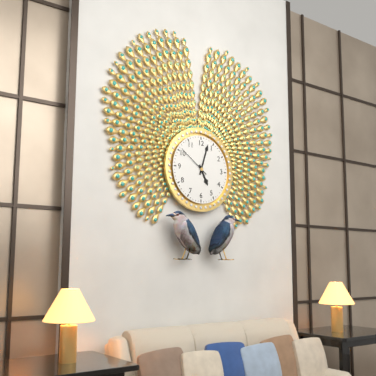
h=5 m=3
